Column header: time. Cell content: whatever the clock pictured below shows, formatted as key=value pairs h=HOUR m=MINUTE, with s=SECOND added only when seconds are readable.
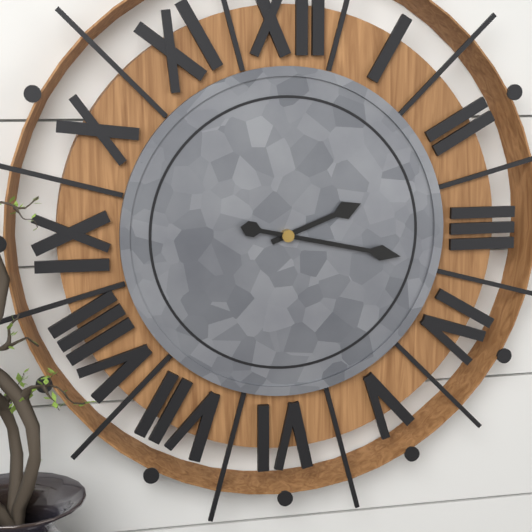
h=2 m=17
